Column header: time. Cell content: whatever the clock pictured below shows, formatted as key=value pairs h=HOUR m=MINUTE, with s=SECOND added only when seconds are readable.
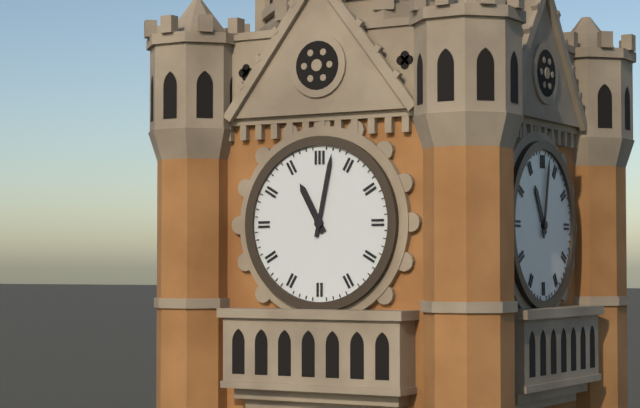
h=11 m=2
